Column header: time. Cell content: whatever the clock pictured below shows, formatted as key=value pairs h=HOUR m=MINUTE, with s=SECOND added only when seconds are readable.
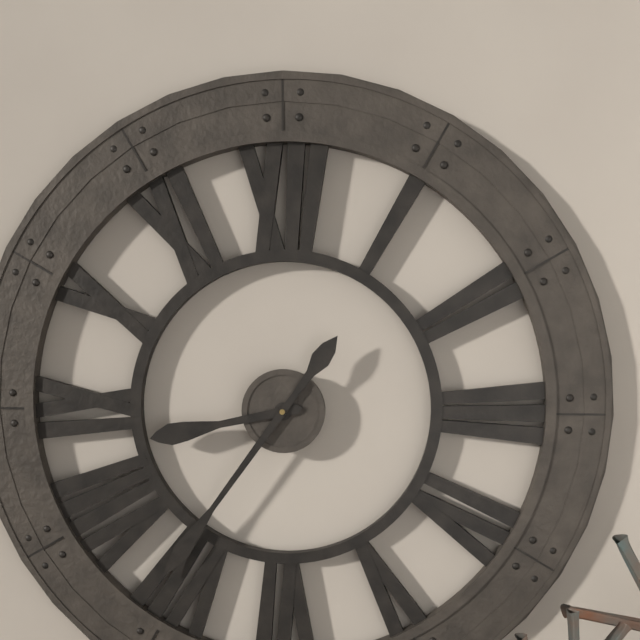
h=8 m=36
